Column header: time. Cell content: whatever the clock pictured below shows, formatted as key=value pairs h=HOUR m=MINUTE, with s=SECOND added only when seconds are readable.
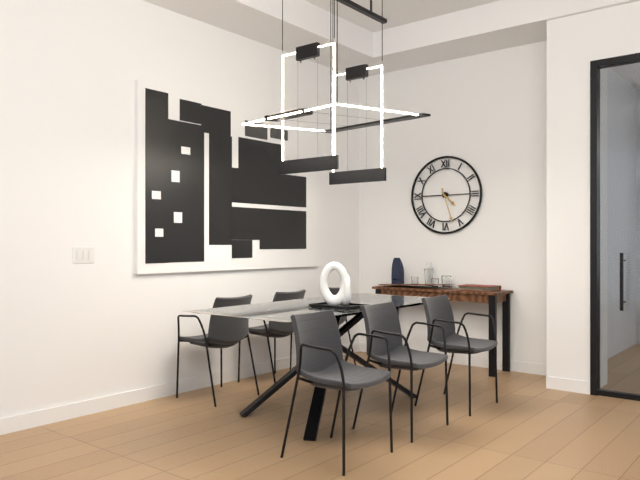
h=4 m=27
